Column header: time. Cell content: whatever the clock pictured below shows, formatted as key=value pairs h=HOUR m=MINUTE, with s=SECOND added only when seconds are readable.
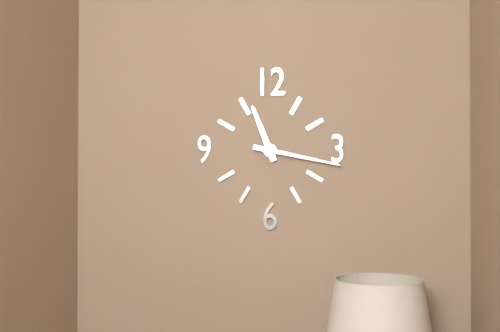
h=11 m=17
